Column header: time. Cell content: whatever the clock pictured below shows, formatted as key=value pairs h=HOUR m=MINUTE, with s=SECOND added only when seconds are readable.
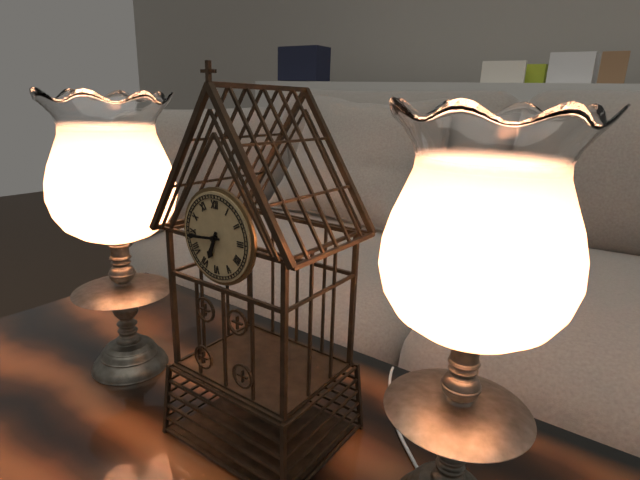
h=6 m=44
